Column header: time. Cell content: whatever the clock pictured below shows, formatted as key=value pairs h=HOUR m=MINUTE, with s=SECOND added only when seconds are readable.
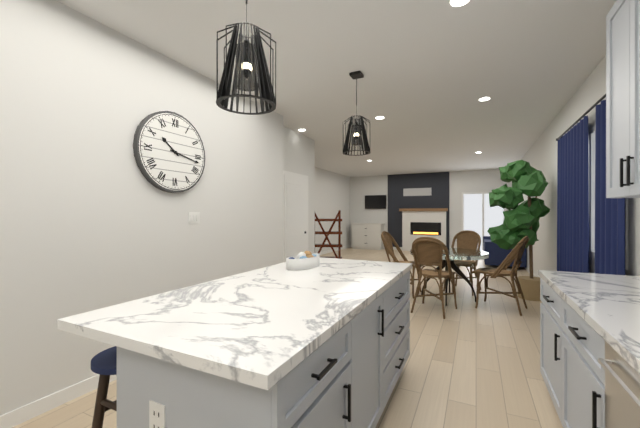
h=10 m=17
